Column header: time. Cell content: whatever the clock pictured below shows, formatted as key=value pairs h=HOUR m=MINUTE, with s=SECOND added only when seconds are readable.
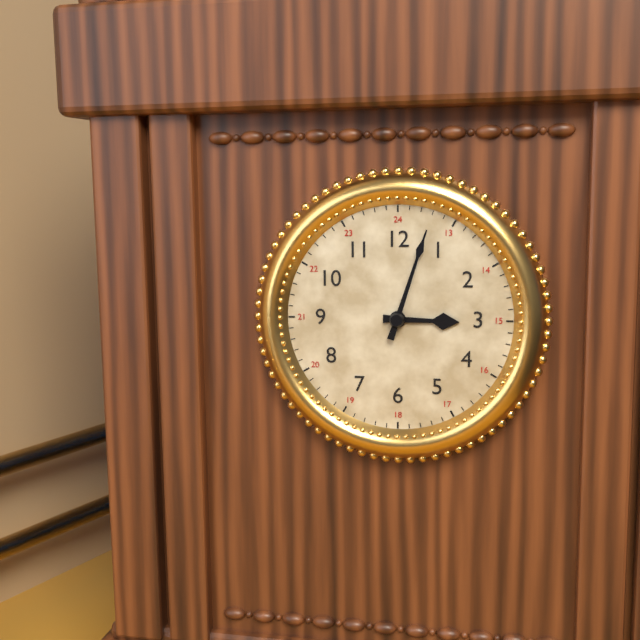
h=3 m=3
